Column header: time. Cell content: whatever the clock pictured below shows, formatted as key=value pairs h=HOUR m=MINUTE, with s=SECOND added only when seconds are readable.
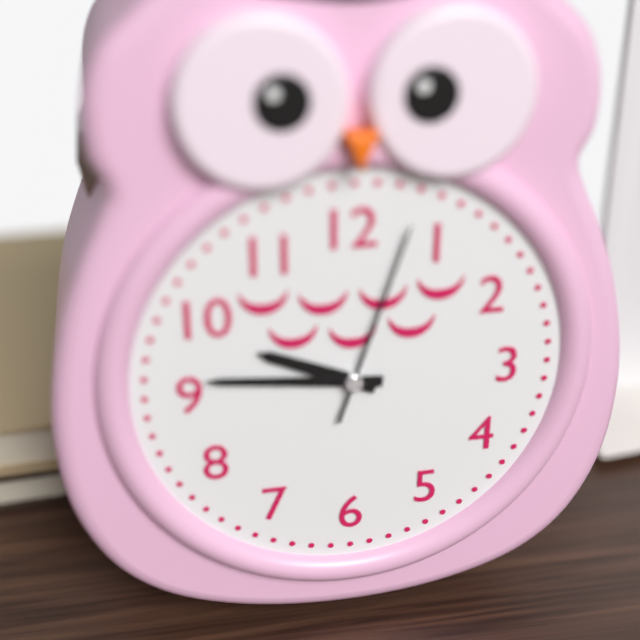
h=9 m=46 s=3
